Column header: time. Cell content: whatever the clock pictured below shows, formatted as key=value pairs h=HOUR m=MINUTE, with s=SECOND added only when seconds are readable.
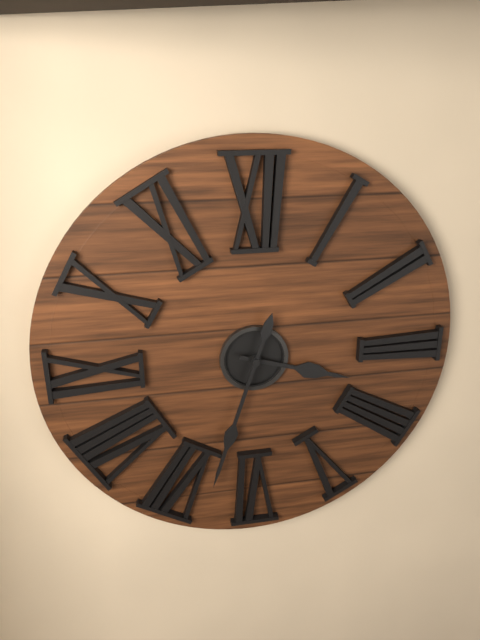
h=3 m=33
